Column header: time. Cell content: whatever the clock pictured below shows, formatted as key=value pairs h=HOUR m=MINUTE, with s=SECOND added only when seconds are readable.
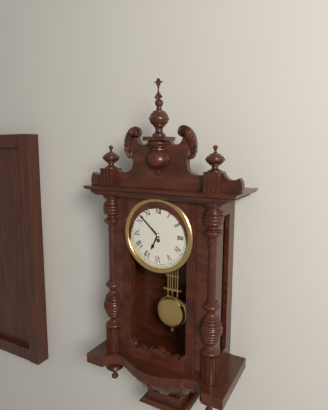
h=6 m=52
